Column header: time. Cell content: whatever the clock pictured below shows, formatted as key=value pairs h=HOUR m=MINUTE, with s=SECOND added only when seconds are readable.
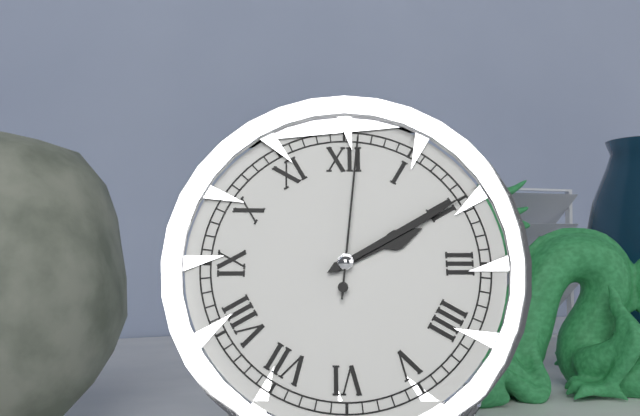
h=2 m=10 s=1
